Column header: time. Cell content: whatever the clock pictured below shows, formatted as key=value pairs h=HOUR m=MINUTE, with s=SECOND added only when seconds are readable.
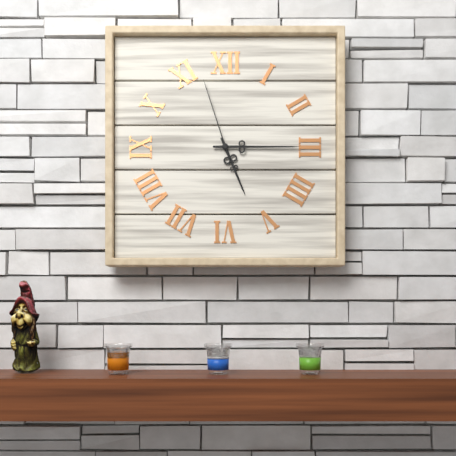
h=5 m=15 s=57
